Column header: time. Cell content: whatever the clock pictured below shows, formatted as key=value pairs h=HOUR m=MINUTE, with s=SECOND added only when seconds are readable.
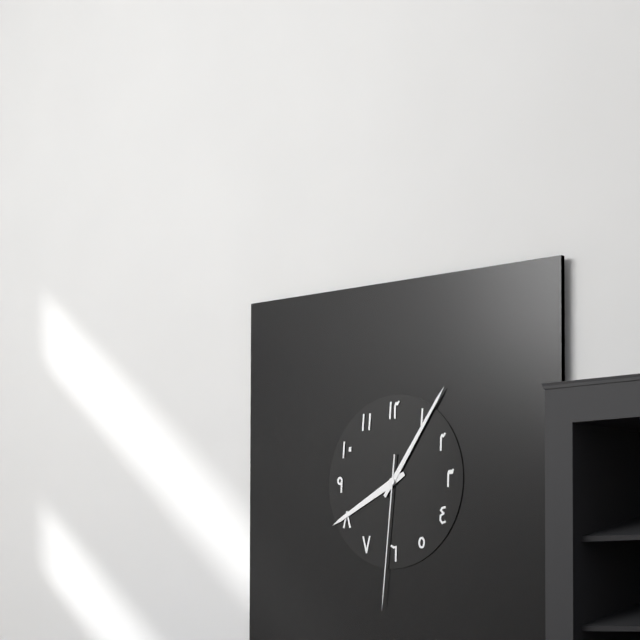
h=8 m=6 s=31
